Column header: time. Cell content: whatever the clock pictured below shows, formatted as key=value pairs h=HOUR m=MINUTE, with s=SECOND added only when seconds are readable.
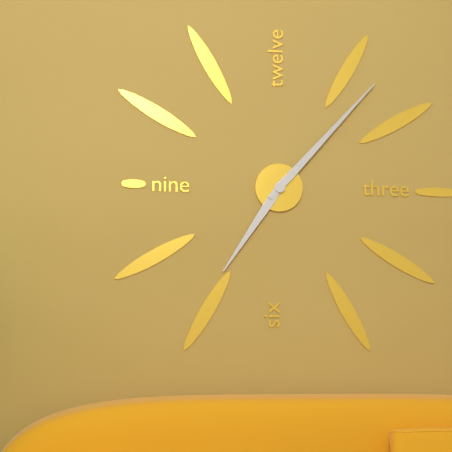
h=7 m=7
